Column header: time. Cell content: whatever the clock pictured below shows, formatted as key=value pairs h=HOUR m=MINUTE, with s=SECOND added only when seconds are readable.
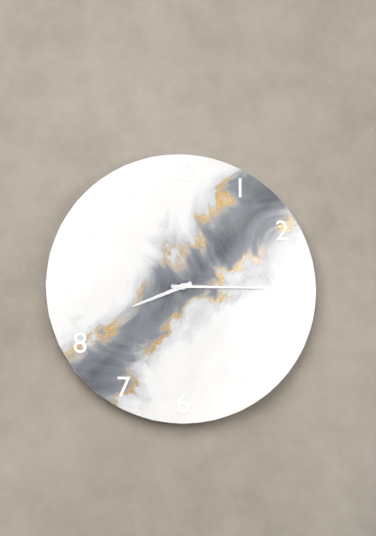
h=8 m=15
